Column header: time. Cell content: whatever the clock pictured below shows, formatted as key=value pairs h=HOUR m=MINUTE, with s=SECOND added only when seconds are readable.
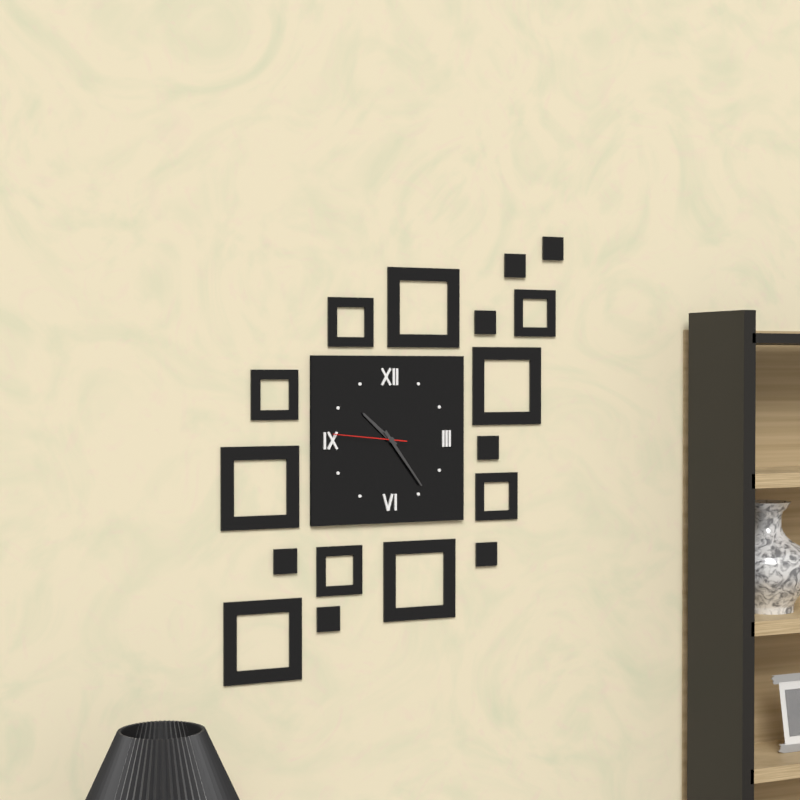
h=10 m=24 s=46
